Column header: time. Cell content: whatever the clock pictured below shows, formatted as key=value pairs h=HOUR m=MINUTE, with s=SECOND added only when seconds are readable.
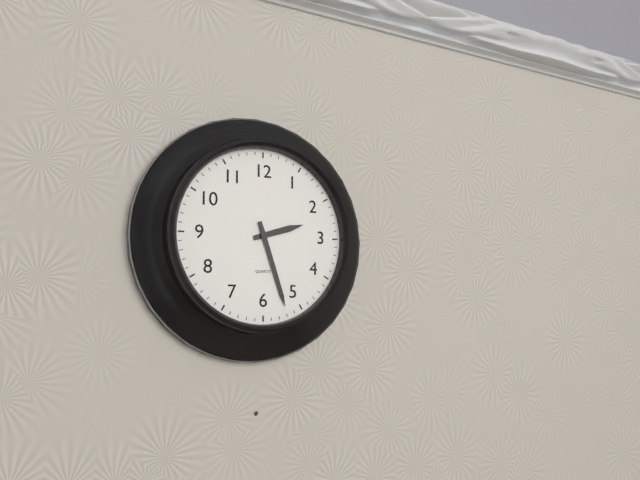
h=2 m=27
